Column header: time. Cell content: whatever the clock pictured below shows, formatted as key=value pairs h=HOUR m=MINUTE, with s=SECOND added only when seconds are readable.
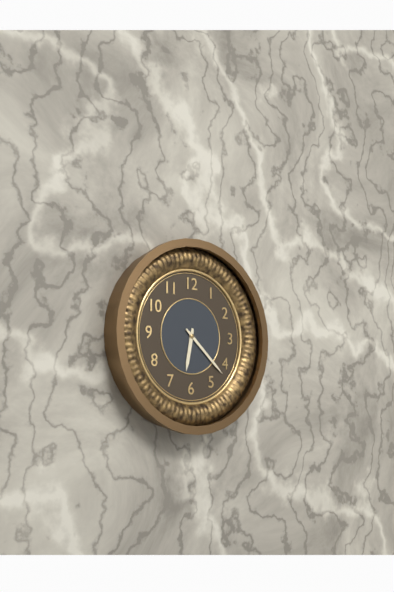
h=6 m=22
